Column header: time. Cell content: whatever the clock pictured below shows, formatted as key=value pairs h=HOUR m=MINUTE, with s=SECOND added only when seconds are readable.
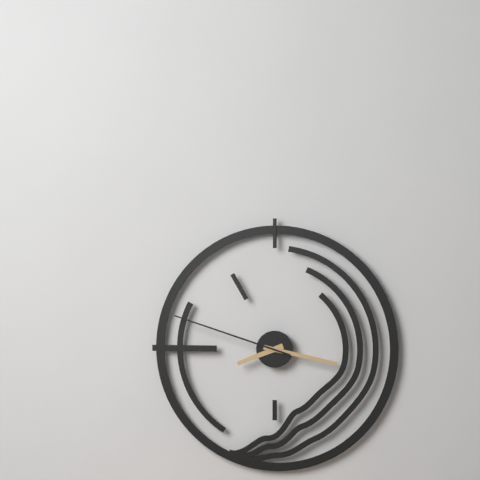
h=8 m=17 s=48
